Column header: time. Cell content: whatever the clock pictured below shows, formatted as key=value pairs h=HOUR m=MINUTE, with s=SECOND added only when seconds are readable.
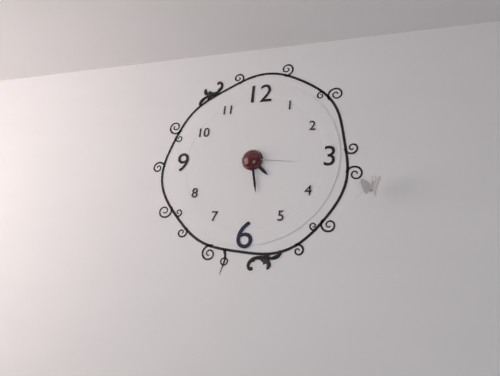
h=4 m=28 s=16
